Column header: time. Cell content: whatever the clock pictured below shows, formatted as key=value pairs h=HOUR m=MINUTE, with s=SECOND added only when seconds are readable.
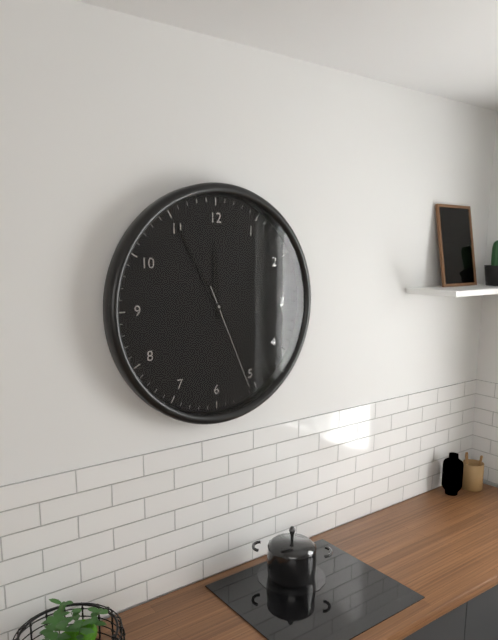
h=11 m=55 s=26
